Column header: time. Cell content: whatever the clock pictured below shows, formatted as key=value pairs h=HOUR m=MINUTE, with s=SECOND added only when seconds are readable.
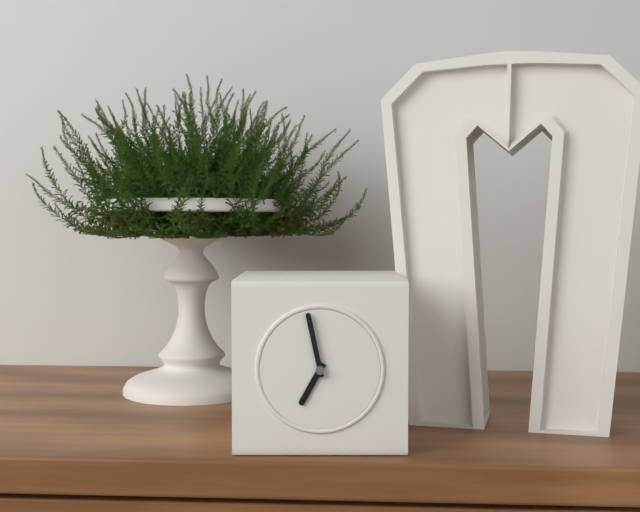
h=6 m=58
